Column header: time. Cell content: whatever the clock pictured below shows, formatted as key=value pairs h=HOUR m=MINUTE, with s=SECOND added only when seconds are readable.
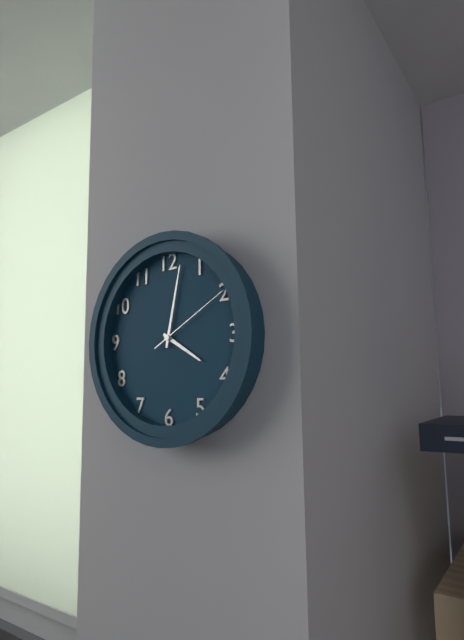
h=4 m=2 s=10
